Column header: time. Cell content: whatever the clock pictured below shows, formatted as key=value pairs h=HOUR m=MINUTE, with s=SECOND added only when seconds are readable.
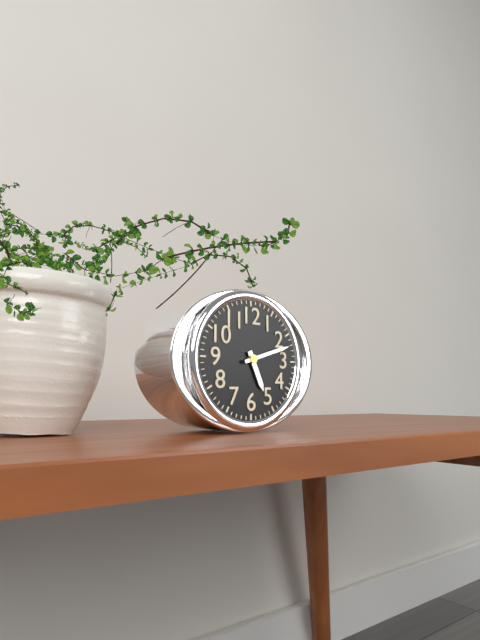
h=5 m=12
